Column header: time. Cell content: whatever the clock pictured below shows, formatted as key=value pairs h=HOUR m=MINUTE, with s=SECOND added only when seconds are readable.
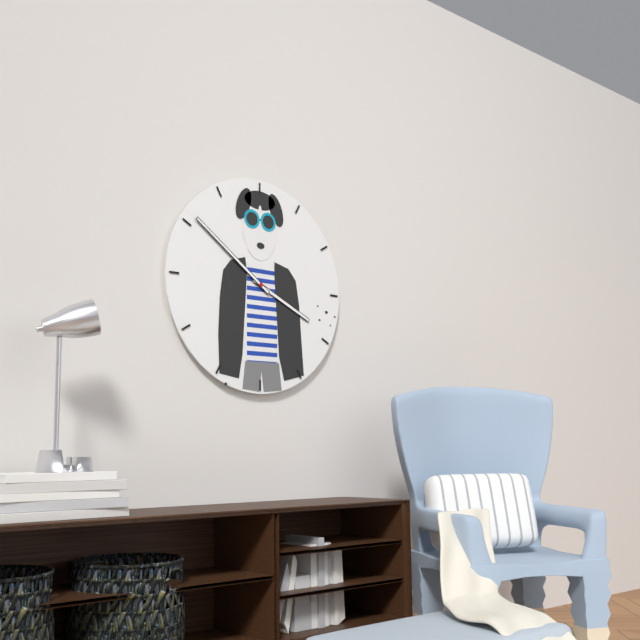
h=3 m=51
